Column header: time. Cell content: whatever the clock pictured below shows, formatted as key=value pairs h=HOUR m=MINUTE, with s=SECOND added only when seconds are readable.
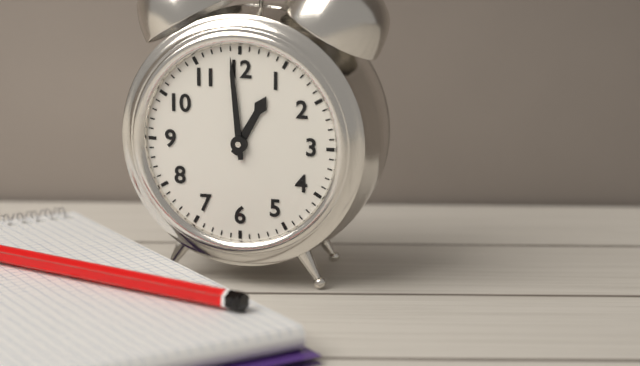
h=12 m=59
